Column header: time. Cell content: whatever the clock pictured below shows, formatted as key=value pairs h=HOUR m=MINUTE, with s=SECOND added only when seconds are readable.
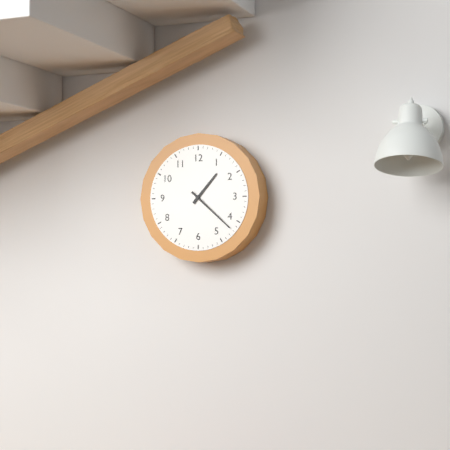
h=1 m=22
